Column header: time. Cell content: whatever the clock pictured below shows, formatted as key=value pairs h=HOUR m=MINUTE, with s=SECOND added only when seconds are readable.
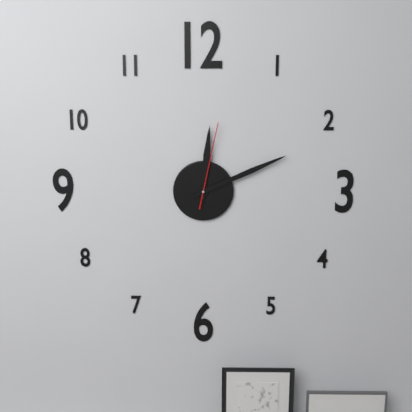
h=12 m=11 s=2
